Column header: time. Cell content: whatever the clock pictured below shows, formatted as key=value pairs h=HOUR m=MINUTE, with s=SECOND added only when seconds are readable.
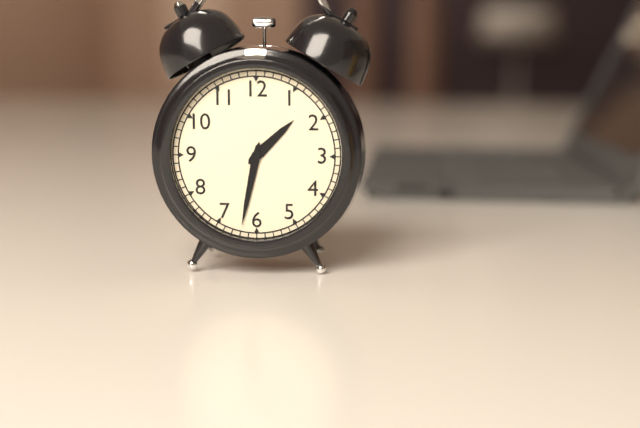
h=1 m=32
